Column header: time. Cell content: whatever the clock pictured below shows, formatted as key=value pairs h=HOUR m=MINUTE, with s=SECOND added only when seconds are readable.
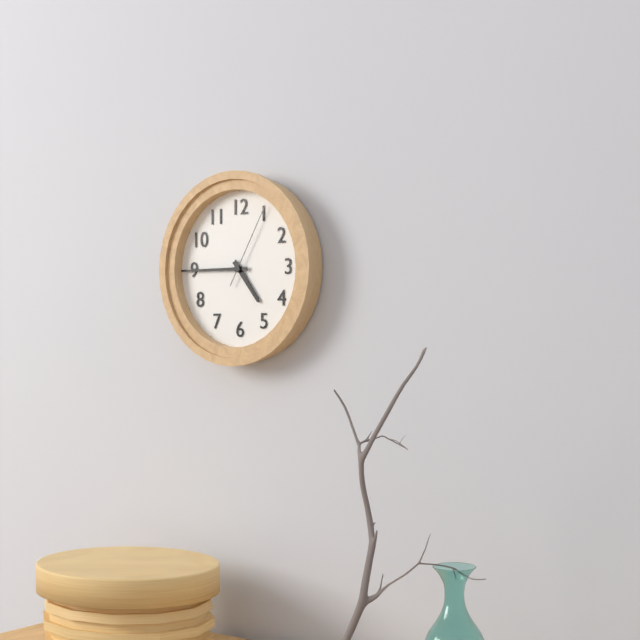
h=4 m=45 s=5
